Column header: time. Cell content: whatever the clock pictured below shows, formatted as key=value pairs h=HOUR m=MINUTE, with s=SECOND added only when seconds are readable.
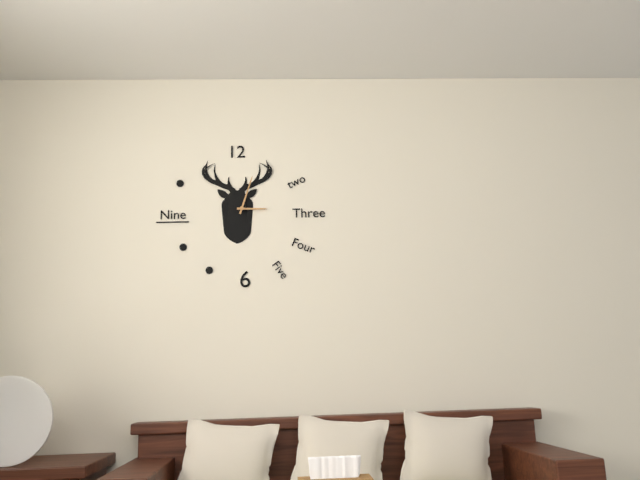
h=3 m=3
